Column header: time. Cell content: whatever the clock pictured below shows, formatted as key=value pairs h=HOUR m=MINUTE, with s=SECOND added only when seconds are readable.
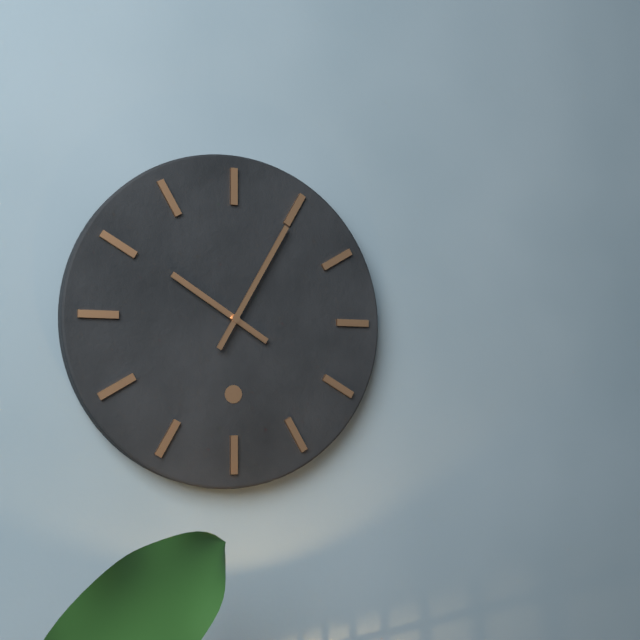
h=10 m=5
